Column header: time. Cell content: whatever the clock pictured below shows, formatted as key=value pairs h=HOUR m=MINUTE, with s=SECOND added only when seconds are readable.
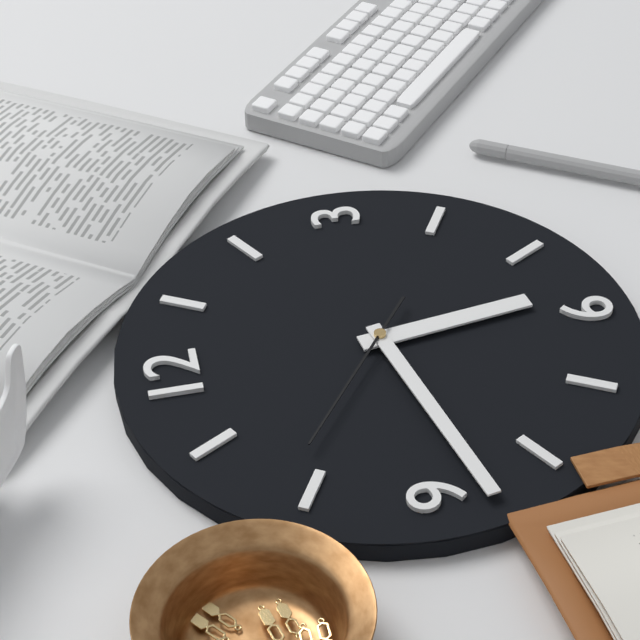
h=5 m=43 s=51
